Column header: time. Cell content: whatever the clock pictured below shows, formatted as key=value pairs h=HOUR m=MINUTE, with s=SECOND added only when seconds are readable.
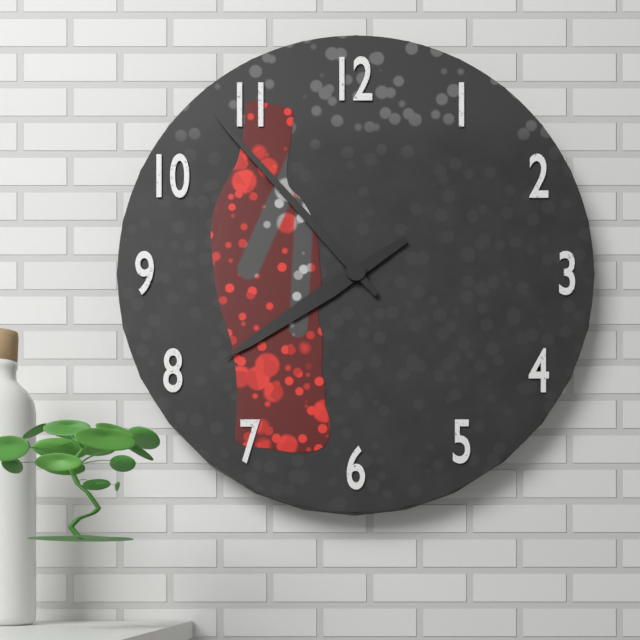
h=7 m=53
